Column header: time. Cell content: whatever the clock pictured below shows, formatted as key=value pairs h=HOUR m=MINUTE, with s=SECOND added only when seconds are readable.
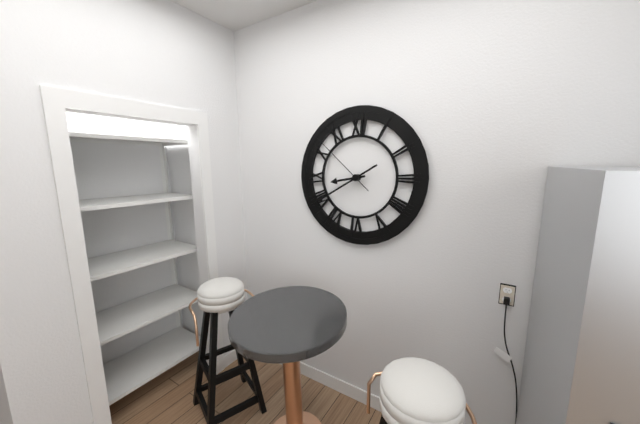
h=8 m=40 s=52
